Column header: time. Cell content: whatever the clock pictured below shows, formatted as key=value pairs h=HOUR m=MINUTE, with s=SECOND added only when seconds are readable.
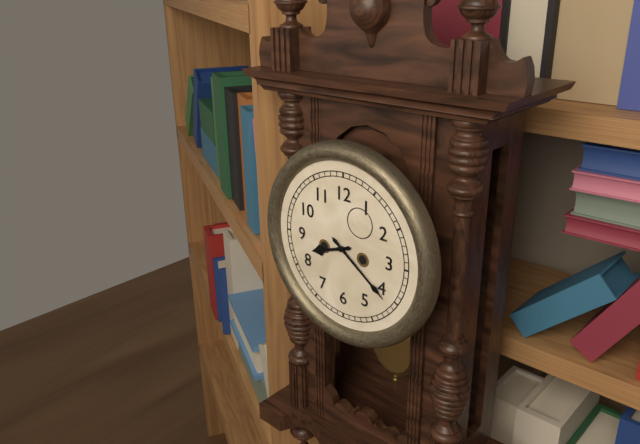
h=8 m=21
